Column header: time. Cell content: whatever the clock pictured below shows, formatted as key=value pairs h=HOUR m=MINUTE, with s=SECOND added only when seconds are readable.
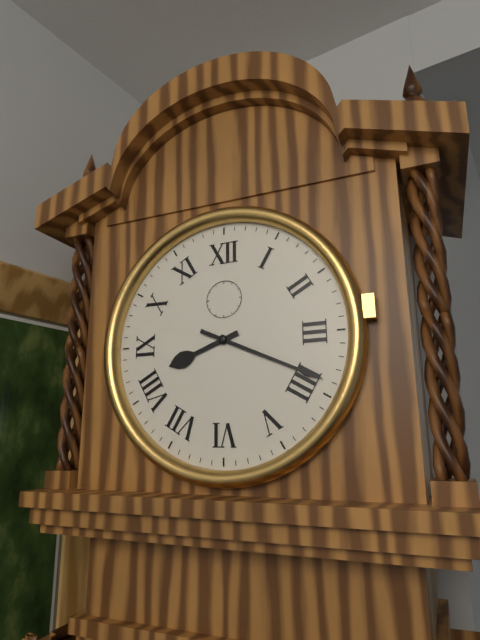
h=8 m=19
